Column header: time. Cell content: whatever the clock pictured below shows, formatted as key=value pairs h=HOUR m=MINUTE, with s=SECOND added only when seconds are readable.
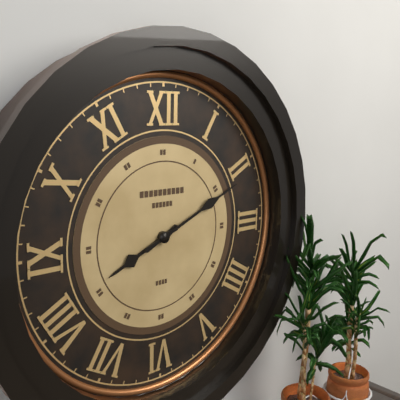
h=8 m=11
